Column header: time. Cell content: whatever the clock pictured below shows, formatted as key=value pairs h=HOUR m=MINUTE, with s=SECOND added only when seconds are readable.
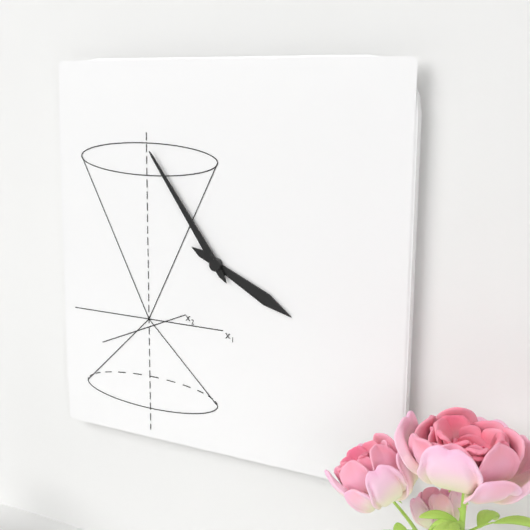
h=3 m=54
